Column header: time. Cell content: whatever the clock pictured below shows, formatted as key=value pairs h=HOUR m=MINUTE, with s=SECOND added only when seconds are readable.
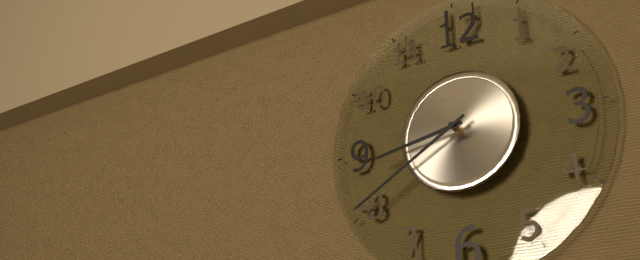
h=8 m=40
